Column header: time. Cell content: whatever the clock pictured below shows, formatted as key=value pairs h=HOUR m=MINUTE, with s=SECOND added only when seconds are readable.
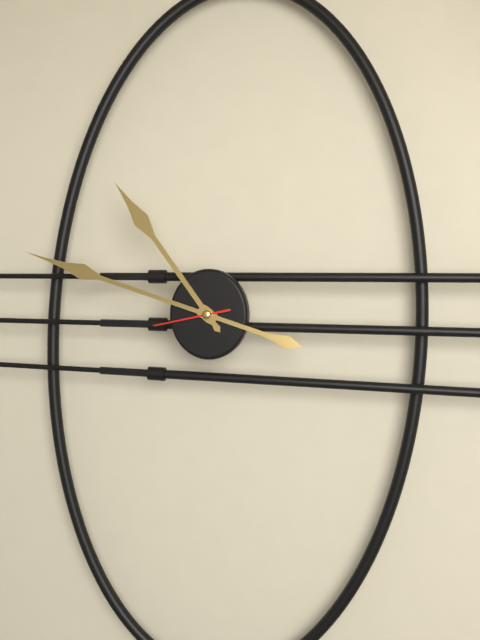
h=10 m=48 s=43
